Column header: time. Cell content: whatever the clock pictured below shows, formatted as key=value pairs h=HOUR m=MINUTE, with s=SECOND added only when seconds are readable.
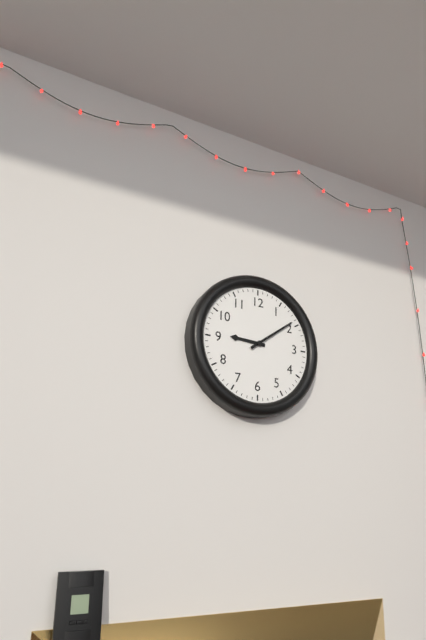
h=9 m=9
